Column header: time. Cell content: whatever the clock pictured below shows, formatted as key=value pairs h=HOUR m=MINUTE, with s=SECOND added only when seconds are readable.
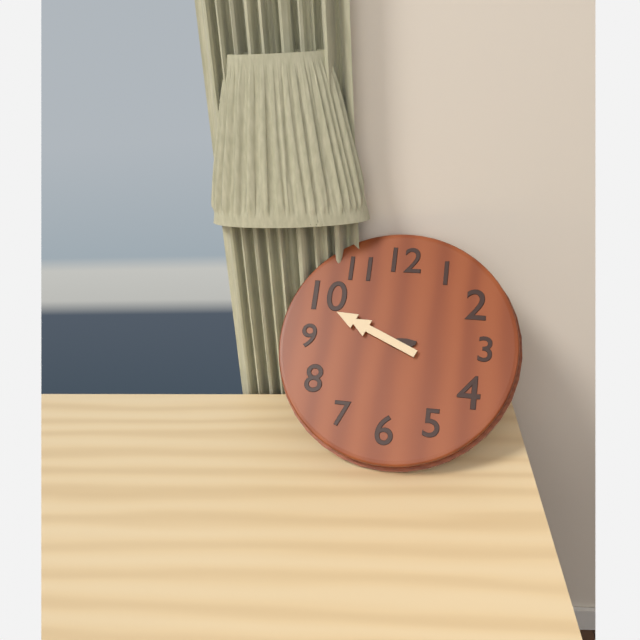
h=2 m=49
